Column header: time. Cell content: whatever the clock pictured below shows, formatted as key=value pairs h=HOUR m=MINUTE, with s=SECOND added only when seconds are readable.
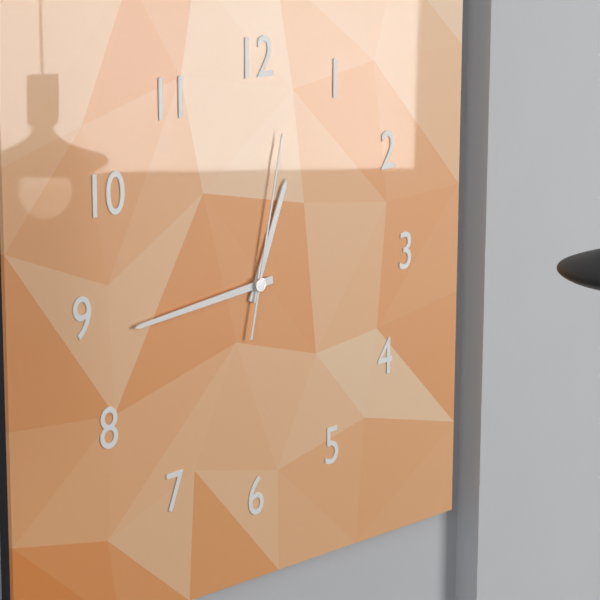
h=12 m=44 s=2
